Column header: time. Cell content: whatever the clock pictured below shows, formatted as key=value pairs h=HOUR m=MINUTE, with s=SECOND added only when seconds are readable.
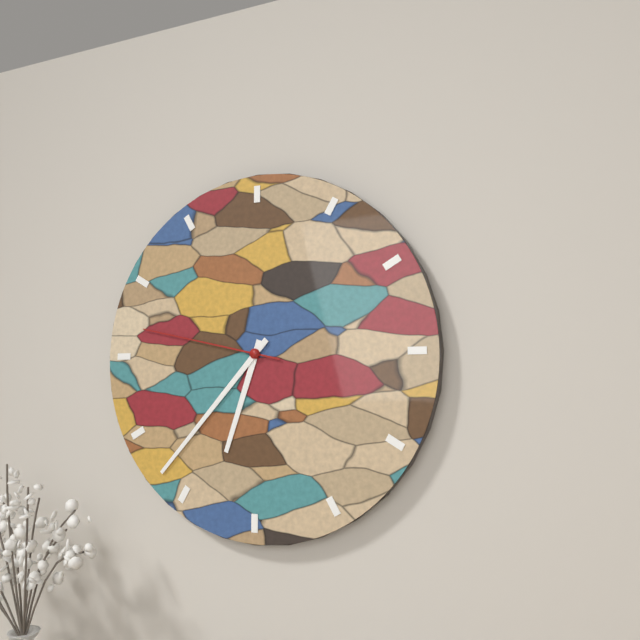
h=6 m=37 s=47
